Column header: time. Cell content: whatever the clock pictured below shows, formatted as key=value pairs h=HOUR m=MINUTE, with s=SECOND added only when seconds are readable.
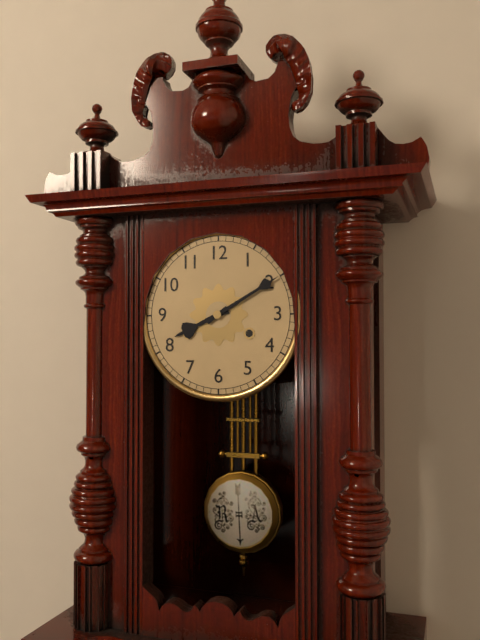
h=8 m=10
